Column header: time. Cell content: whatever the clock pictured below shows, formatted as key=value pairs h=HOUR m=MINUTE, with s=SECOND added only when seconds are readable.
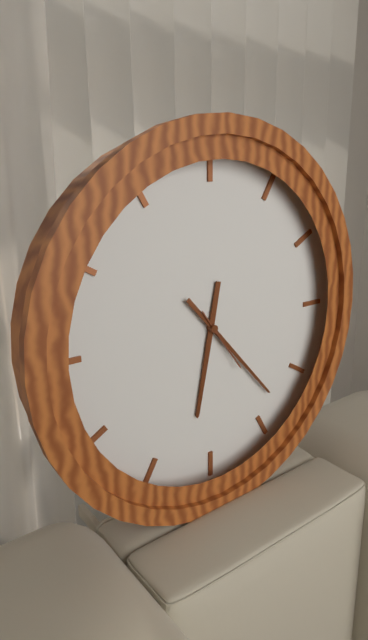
h=6 m=23 s=24
